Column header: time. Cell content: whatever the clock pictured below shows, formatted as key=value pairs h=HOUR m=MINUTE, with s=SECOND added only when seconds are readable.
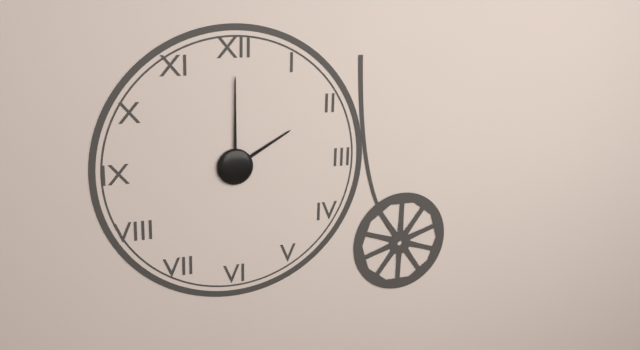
h=2 m=0
